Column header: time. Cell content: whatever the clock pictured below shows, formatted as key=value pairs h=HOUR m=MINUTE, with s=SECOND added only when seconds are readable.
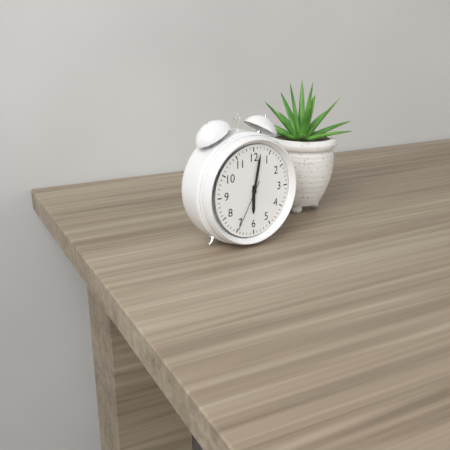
h=6 m=2 s=35
